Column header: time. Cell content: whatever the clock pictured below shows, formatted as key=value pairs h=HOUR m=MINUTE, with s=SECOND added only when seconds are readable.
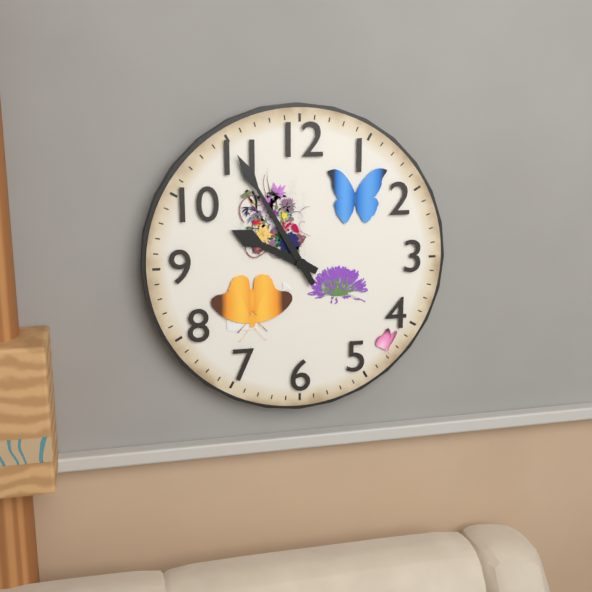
h=9 m=55
